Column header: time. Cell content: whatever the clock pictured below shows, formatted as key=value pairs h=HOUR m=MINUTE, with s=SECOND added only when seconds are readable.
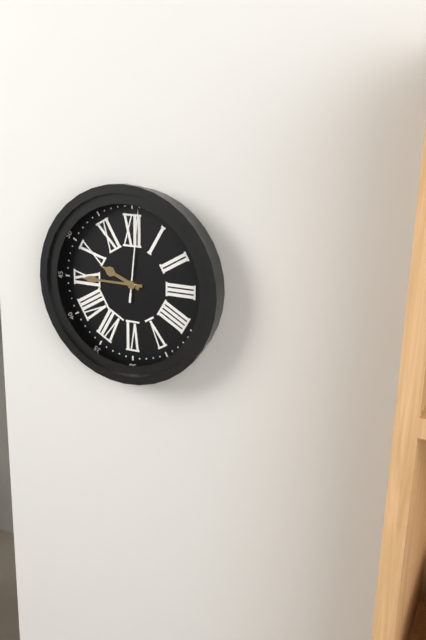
h=9 m=45 s=1
